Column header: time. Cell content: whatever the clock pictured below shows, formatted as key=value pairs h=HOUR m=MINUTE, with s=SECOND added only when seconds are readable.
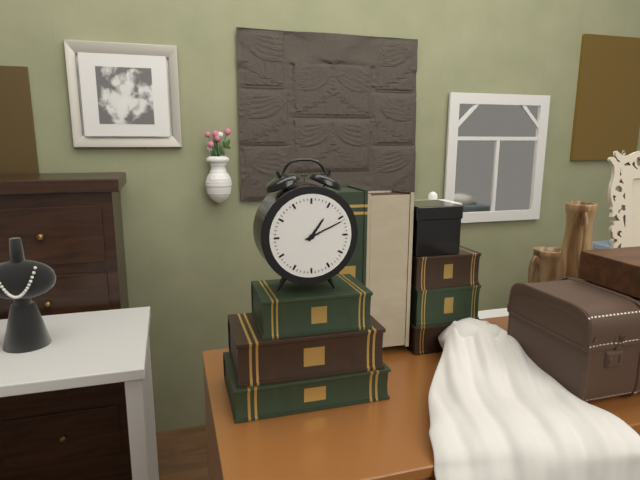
h=1 m=11
